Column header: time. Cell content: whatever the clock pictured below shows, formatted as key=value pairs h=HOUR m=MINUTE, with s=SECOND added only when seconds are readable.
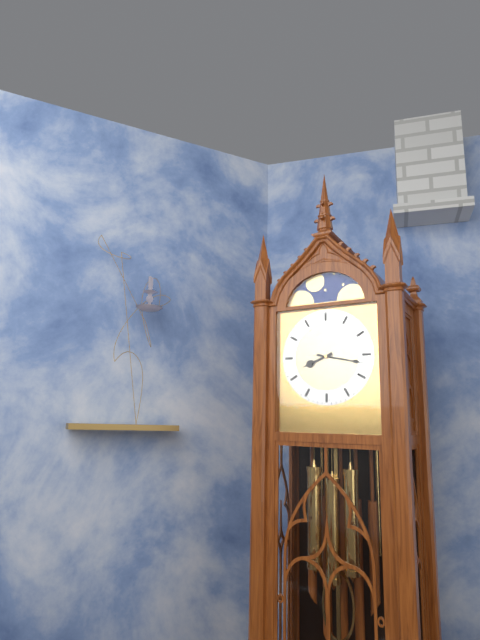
h=8 m=17
